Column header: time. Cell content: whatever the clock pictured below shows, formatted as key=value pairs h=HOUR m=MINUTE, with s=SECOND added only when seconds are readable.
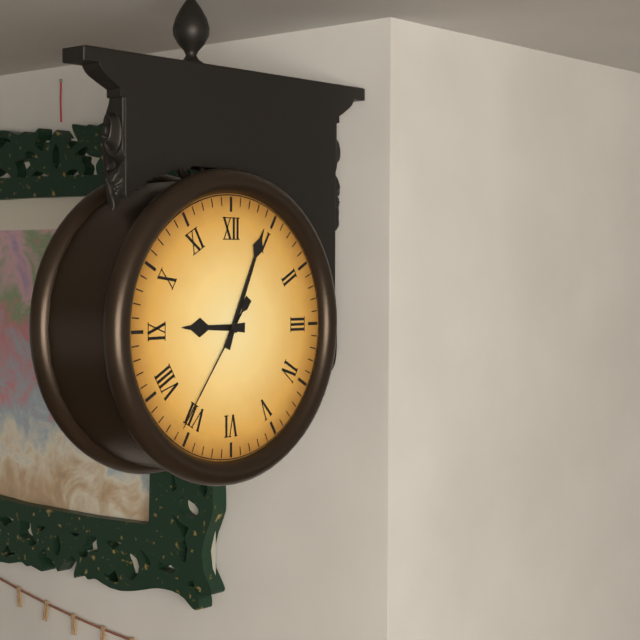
h=9 m=4 s=36
